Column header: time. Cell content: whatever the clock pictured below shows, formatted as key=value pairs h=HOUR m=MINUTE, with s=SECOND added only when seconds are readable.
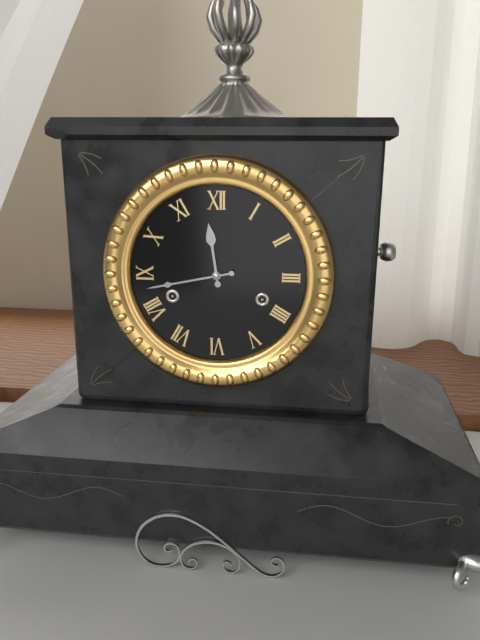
h=11 m=43
